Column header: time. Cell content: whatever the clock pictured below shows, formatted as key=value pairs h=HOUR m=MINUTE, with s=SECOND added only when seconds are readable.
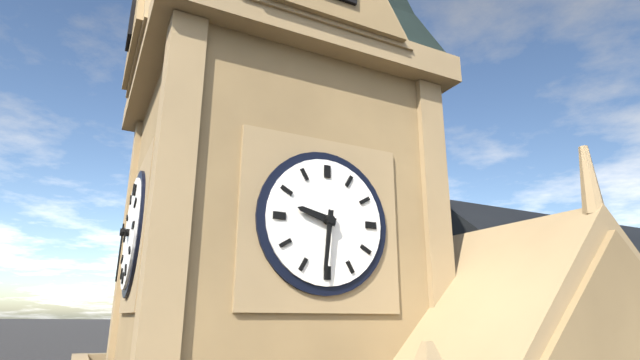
h=9 m=31
